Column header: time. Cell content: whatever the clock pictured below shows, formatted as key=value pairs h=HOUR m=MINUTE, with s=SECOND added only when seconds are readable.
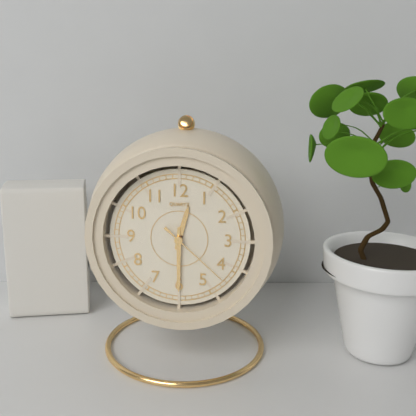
h=12 m=30 s=22
